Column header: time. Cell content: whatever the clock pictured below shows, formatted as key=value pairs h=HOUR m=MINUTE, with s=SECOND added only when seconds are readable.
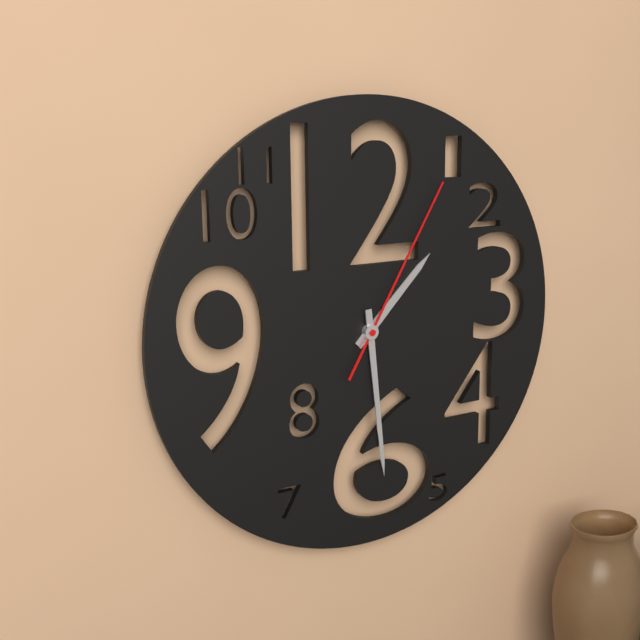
h=1 m=29 s=5
